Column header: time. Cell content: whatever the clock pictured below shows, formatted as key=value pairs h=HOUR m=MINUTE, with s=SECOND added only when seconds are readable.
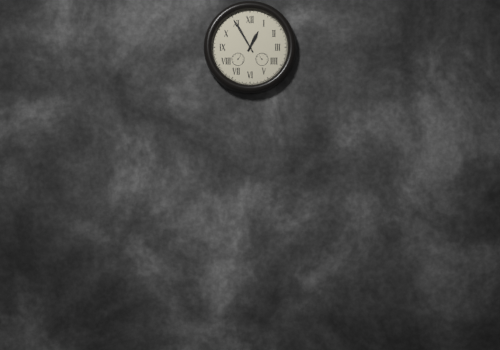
h=12 m=55
